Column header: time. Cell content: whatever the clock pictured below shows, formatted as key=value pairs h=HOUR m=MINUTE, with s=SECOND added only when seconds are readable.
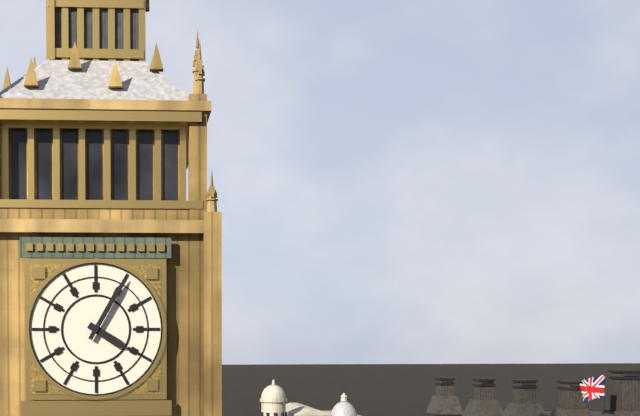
h=4 m=5
